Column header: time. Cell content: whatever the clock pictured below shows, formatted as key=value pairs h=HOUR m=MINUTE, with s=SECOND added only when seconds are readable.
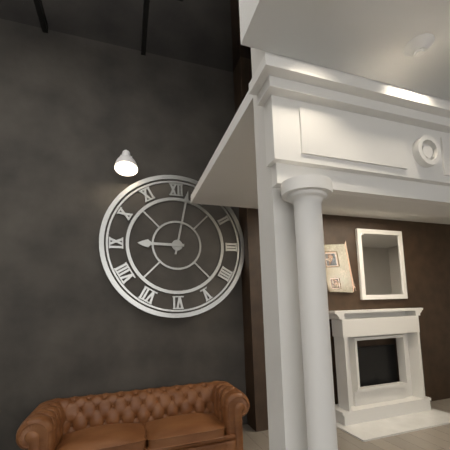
h=9 m=2
